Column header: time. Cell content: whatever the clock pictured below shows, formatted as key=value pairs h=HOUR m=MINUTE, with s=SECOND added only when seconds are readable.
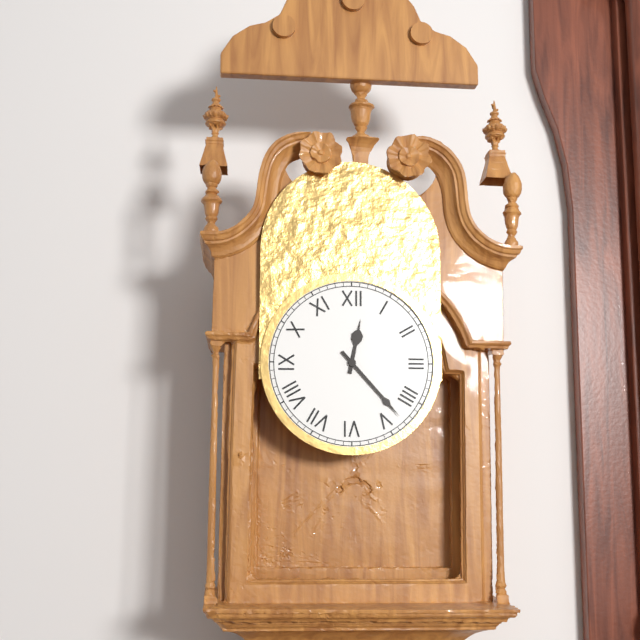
h=12 m=23
